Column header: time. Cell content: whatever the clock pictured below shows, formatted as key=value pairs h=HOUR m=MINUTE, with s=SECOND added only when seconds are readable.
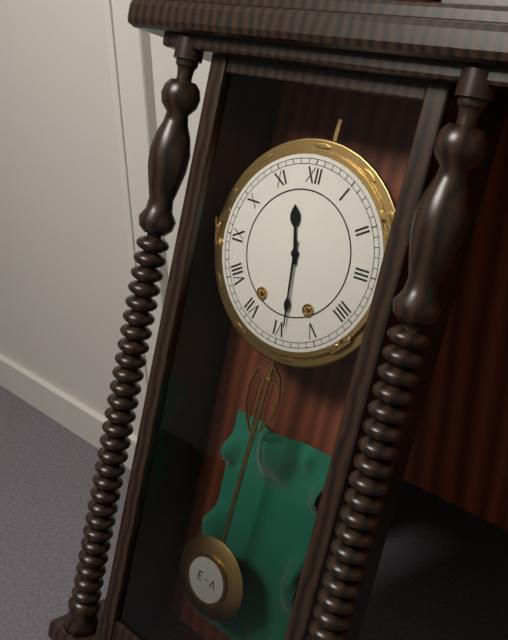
h=11 m=29
